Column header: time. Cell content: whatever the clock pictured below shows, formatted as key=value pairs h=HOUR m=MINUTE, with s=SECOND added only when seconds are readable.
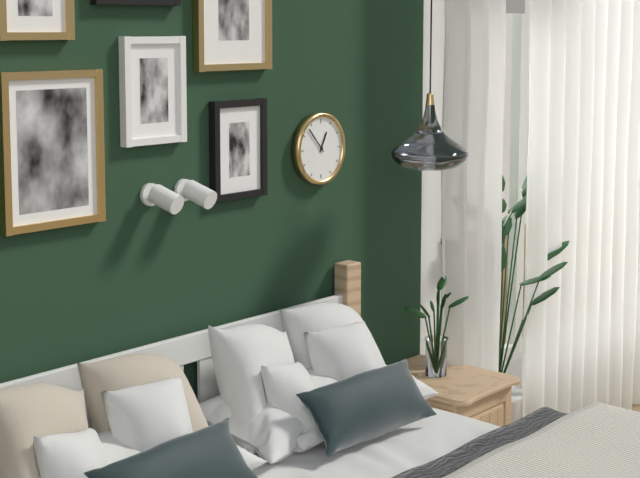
h=12 m=53
